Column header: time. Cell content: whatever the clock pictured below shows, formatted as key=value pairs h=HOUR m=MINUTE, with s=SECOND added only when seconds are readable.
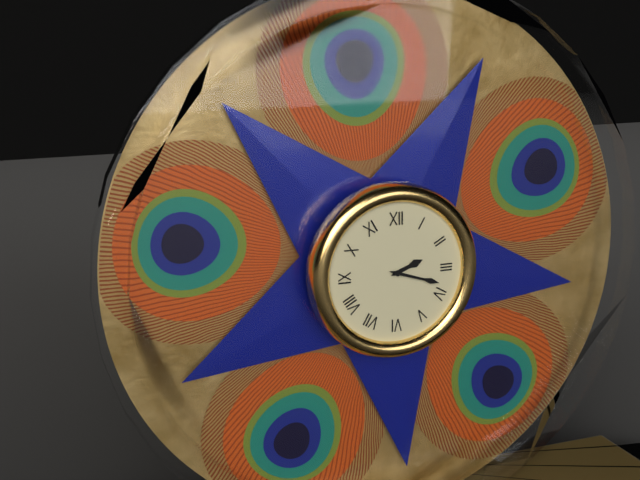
h=2 m=18
